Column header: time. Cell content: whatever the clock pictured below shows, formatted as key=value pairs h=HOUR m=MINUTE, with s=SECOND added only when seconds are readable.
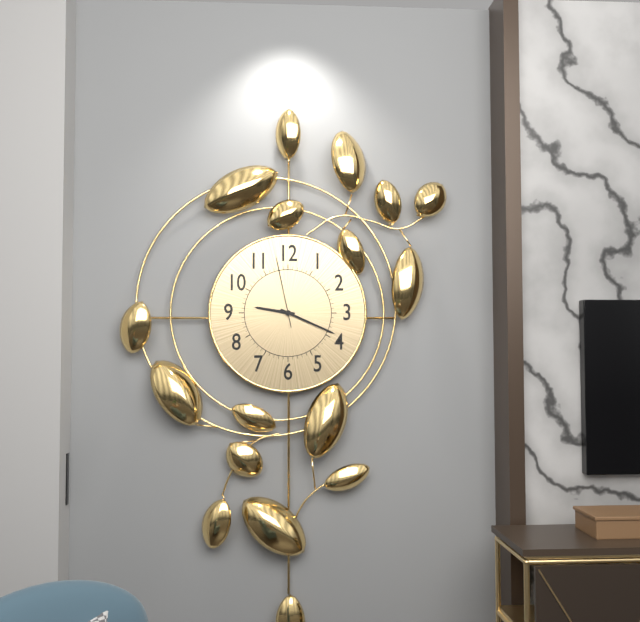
h=9 m=19 s=58
